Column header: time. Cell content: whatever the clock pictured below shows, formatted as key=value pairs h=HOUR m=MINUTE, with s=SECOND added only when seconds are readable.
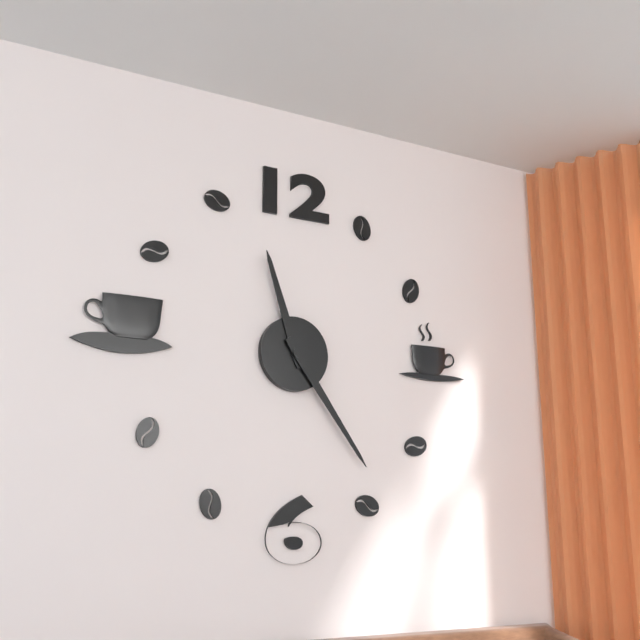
h=11 m=24
